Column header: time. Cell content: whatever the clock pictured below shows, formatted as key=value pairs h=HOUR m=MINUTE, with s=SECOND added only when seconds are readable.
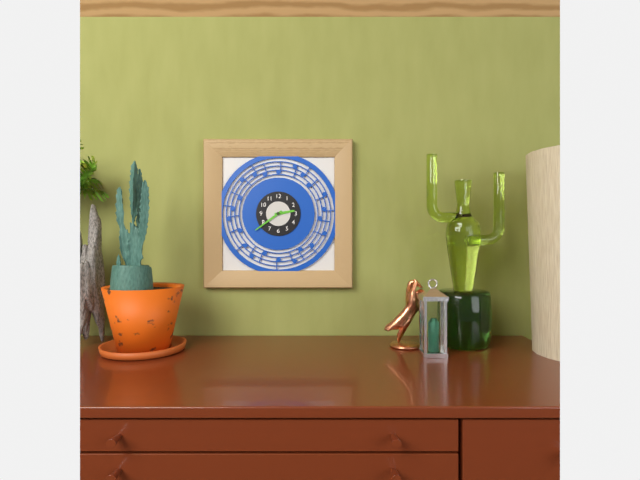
h=2 m=39
